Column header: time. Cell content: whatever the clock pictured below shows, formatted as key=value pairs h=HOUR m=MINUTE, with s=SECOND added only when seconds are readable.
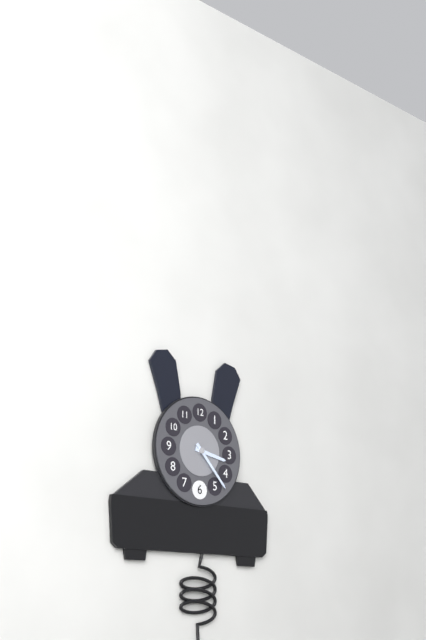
h=3 m=23
